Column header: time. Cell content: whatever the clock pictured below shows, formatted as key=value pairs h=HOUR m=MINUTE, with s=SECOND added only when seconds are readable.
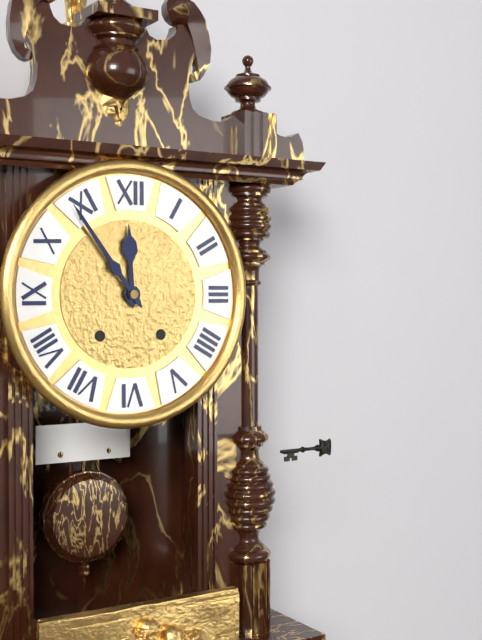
h=11 m=54
